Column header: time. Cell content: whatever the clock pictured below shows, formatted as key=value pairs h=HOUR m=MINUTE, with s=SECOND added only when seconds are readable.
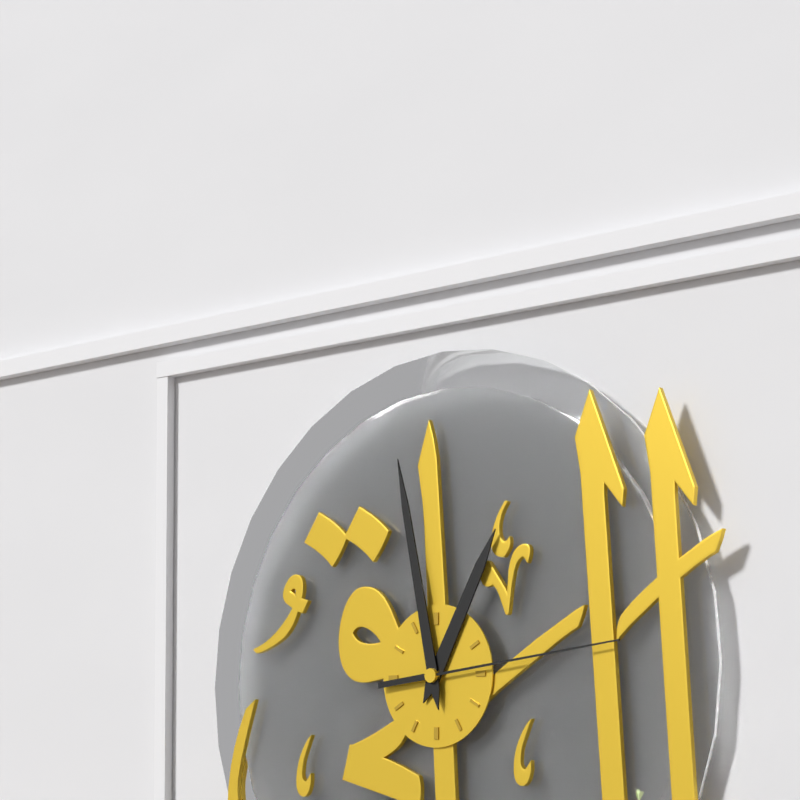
h=12 m=58 s=14
